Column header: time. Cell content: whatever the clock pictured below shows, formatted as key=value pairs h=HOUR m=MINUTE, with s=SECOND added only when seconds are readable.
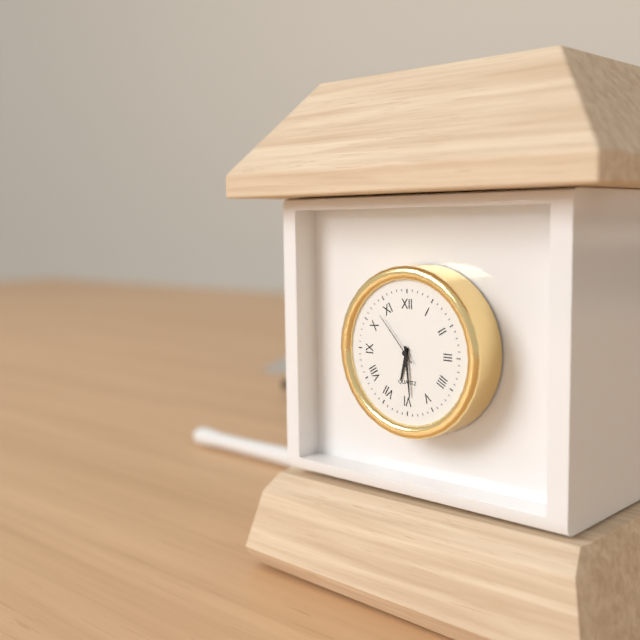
h=6 m=29 s=53
